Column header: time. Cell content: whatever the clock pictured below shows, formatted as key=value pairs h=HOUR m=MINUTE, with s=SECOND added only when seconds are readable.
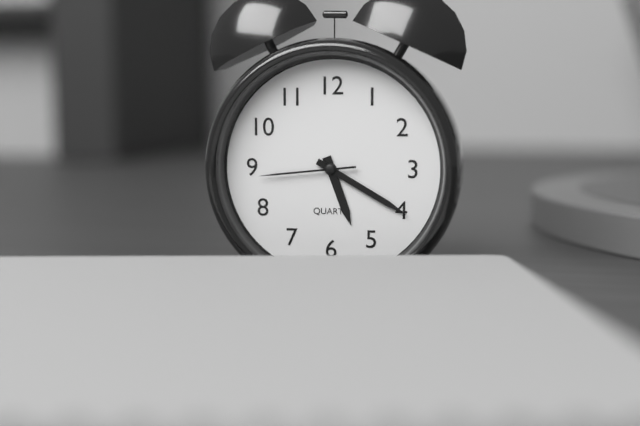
h=5 m=20 s=44
